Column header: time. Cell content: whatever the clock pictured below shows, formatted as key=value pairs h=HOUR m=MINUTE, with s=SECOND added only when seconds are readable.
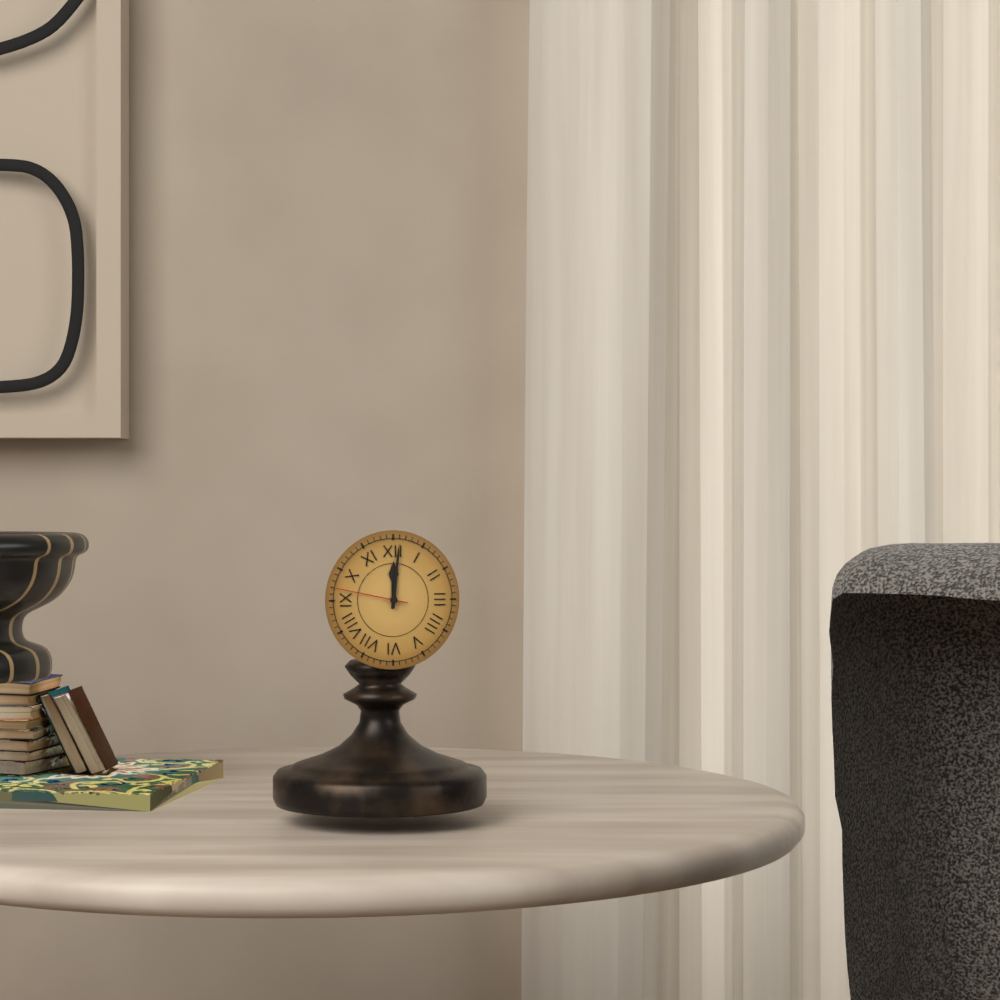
h=12 m=1 s=47
